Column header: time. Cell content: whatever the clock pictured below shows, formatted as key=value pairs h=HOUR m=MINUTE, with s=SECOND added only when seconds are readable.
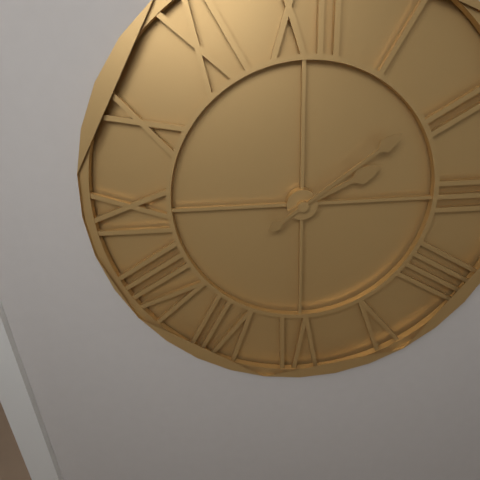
h=2 m=9
